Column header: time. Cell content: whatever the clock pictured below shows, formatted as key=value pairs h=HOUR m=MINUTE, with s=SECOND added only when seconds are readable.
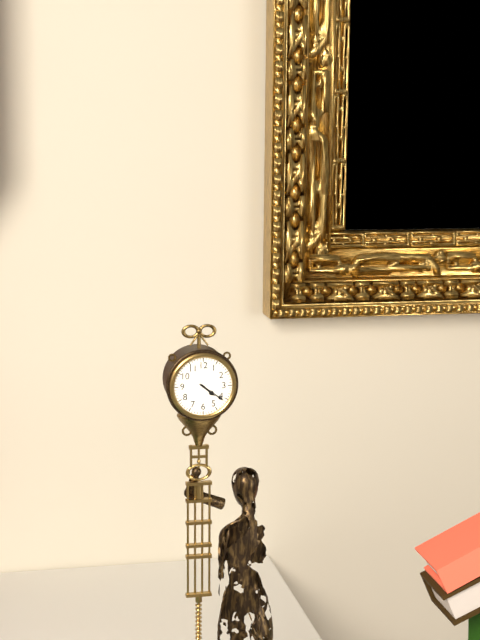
h=4 m=21
